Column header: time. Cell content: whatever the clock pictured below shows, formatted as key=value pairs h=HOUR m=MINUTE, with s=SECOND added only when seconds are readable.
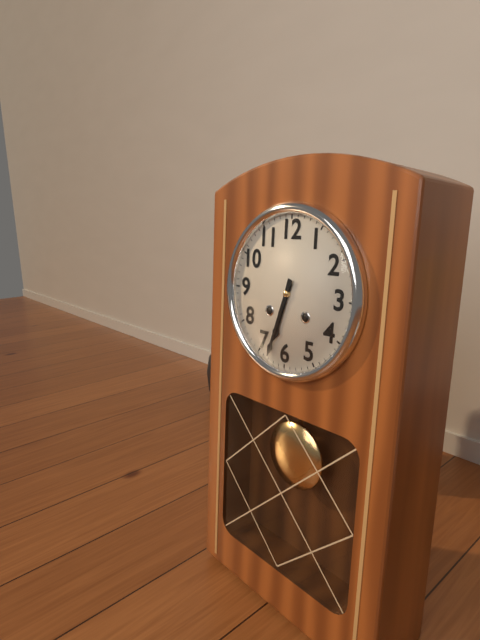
h=6 m=33
